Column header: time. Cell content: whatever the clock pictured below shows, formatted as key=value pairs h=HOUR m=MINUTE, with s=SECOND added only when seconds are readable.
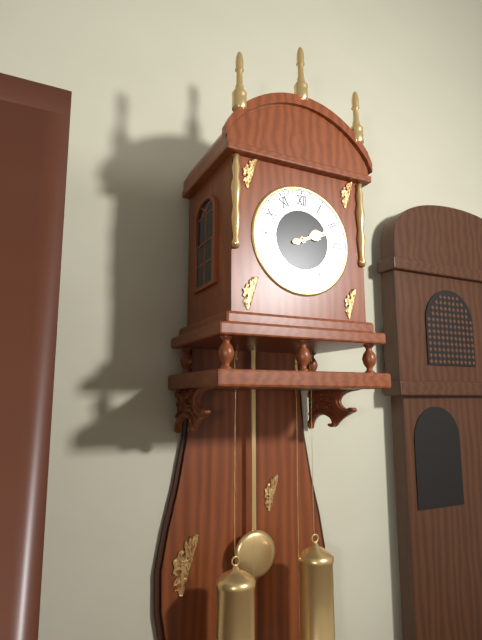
h=2 m=12
